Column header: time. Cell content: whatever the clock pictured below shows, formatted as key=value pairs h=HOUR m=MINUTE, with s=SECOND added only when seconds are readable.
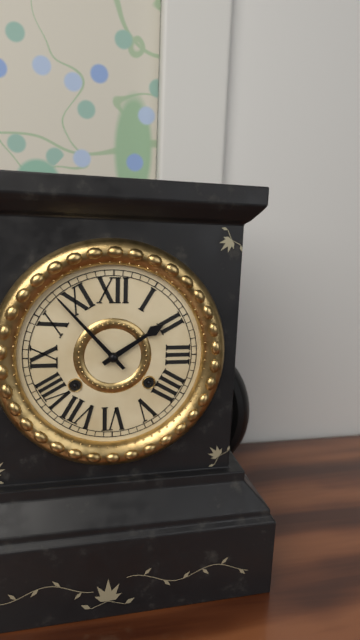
h=1 m=53
